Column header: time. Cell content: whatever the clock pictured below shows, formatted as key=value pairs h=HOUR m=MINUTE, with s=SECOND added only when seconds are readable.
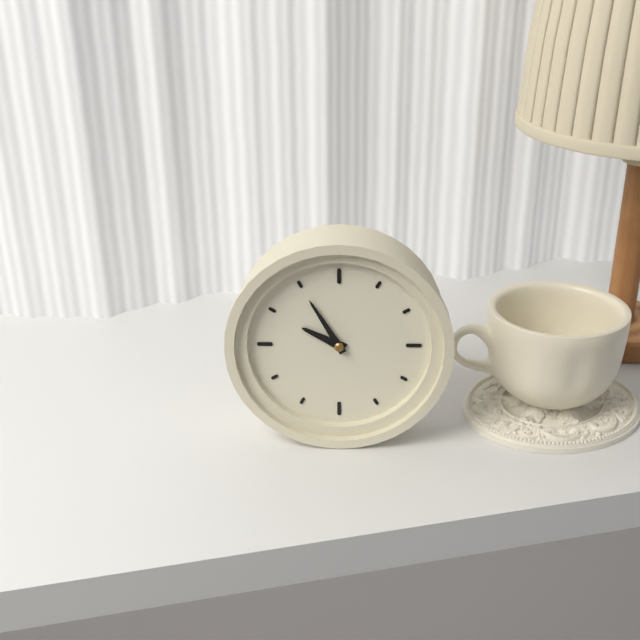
h=9 m=55
